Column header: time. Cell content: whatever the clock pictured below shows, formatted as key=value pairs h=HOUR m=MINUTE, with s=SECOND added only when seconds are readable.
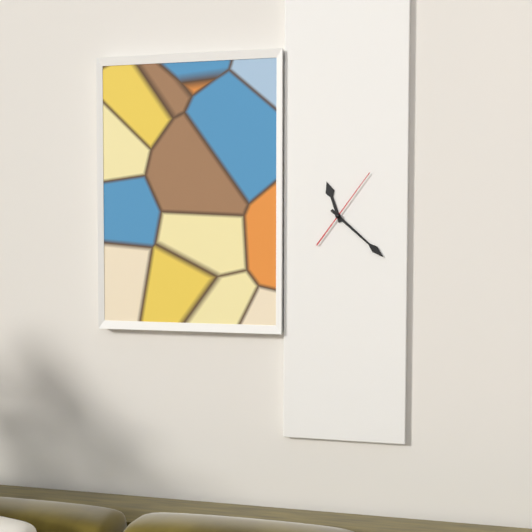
h=11 m=22 s=6
